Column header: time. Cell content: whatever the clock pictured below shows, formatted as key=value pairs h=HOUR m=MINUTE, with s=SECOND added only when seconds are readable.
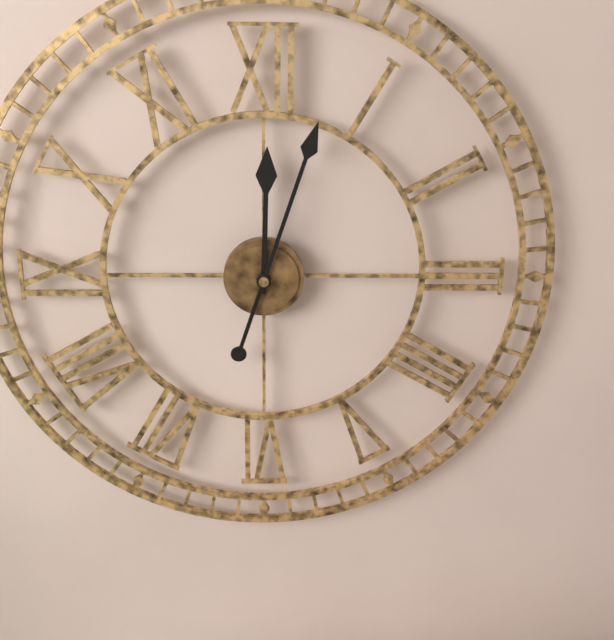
h=12 m=3
